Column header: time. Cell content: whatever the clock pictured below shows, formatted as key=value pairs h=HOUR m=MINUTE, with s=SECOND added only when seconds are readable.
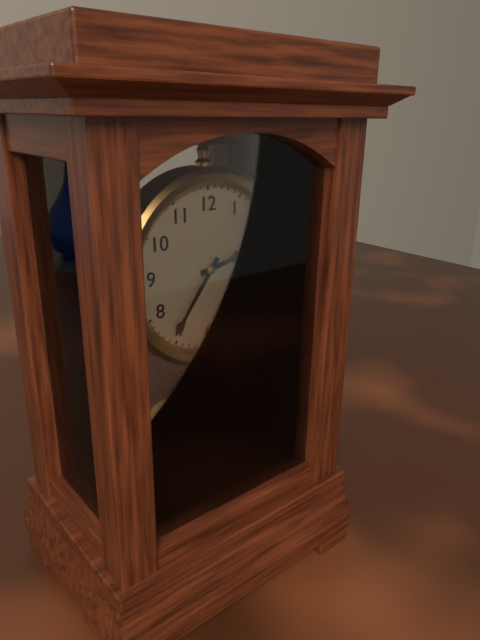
h=2 m=36
